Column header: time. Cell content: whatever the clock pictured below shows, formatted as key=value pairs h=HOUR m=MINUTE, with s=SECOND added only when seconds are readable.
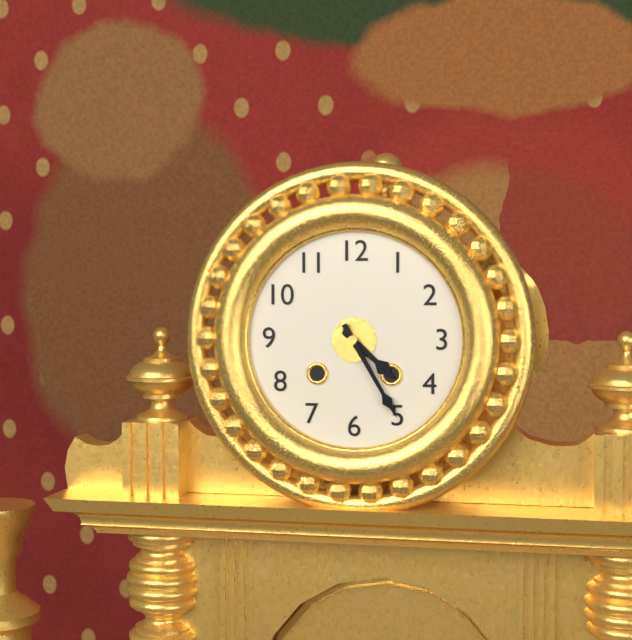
h=4 m=25
